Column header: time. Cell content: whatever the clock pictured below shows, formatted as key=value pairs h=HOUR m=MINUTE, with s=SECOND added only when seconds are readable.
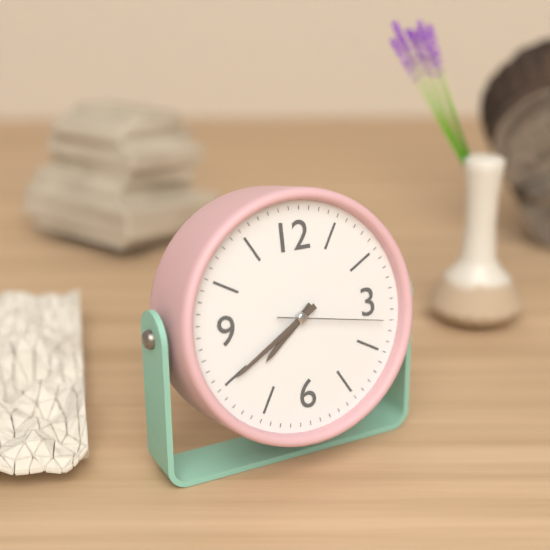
h=7 m=40 s=17
